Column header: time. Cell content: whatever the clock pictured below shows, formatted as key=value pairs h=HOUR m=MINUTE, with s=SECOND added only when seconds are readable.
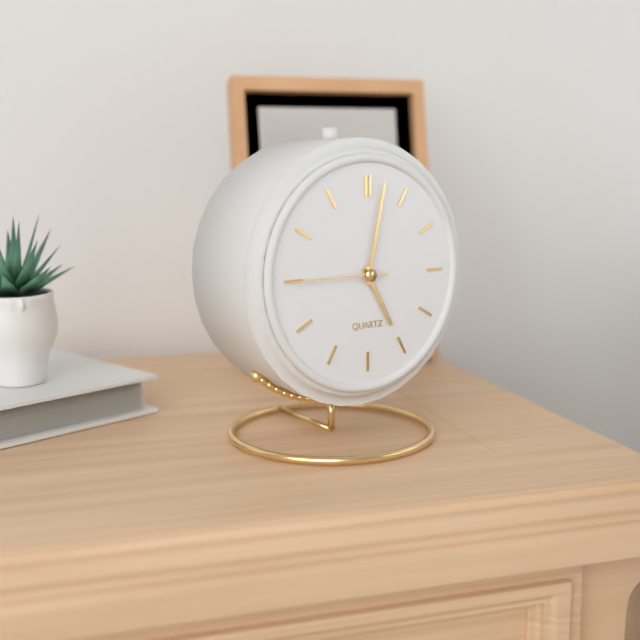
h=5 m=2 s=45
